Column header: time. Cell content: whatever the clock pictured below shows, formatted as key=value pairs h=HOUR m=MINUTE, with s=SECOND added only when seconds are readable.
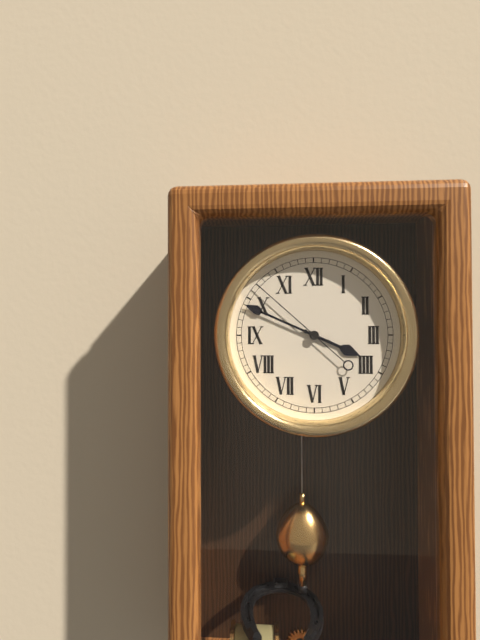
h=3 m=49 s=52
